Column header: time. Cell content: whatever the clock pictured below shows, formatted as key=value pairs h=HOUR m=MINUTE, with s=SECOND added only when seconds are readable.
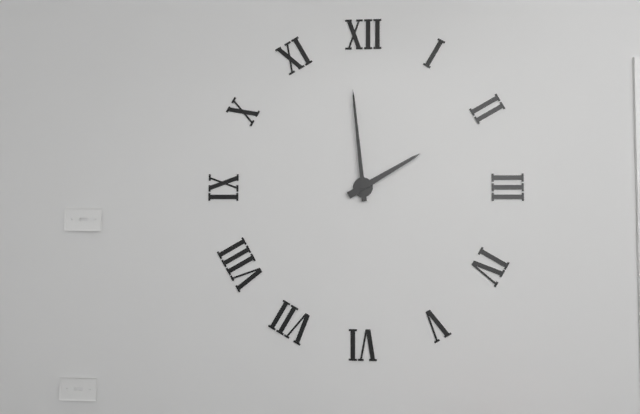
h=1 m=59
